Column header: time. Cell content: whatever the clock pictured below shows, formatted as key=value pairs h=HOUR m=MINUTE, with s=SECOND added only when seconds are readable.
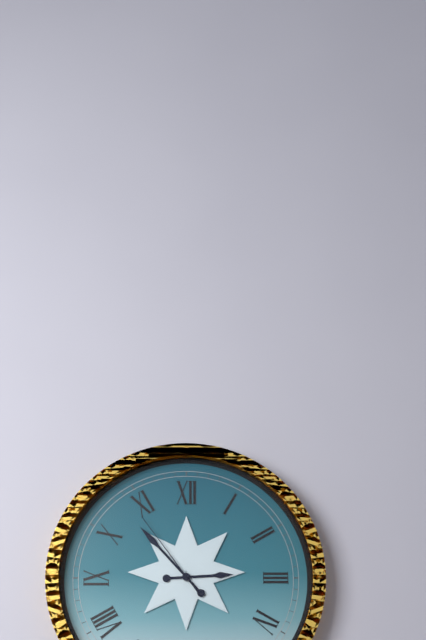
h=2 m=53 s=54
